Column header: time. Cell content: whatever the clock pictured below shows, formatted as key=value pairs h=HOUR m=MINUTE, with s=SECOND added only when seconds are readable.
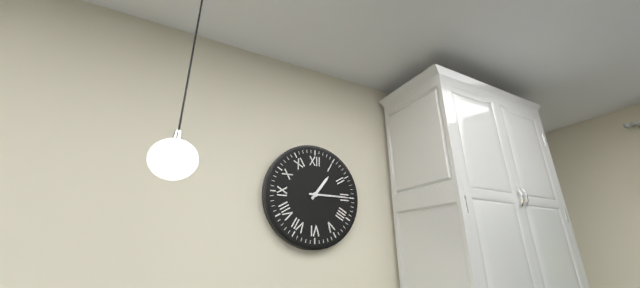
h=1 m=15
